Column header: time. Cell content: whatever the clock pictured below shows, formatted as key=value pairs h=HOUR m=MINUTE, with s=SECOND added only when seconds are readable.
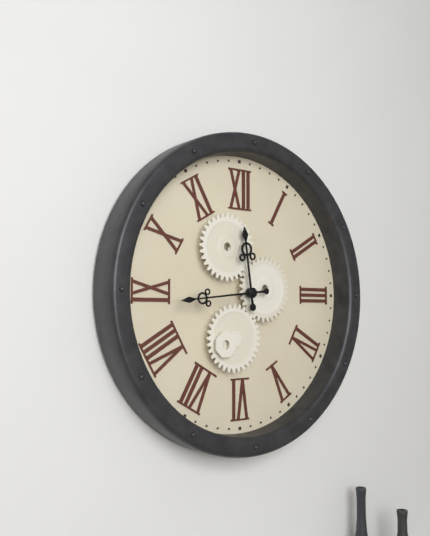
h=11 m=44
